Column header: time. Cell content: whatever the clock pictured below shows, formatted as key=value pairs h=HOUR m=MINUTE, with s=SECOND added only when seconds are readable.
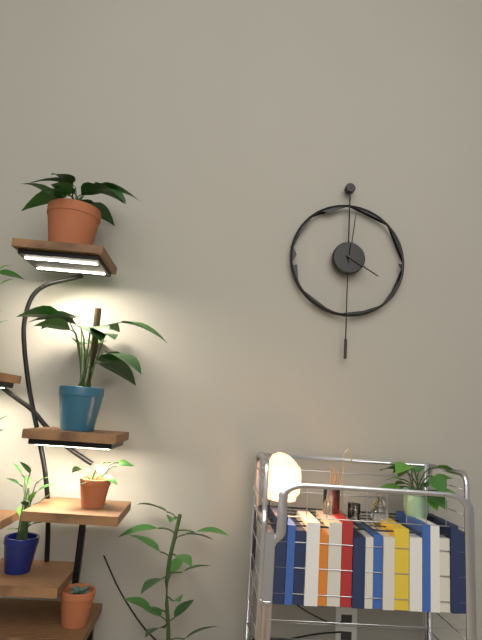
h=4 m=1
